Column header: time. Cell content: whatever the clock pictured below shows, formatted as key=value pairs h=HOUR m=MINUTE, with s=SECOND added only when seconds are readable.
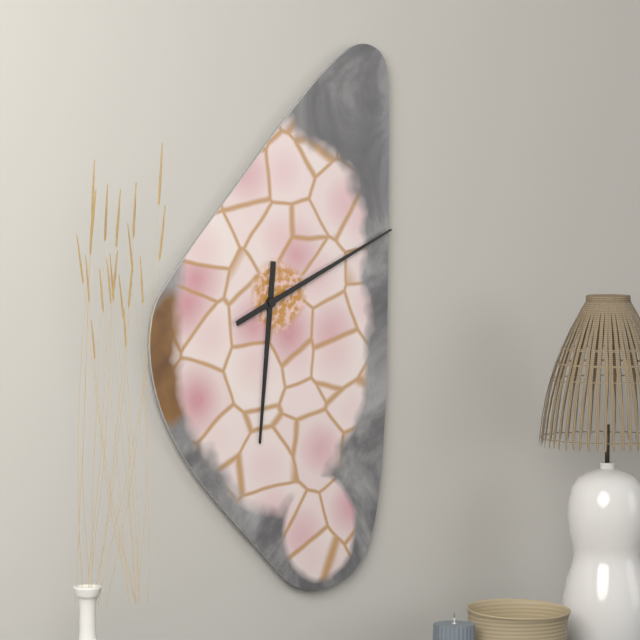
h=6 m=11
